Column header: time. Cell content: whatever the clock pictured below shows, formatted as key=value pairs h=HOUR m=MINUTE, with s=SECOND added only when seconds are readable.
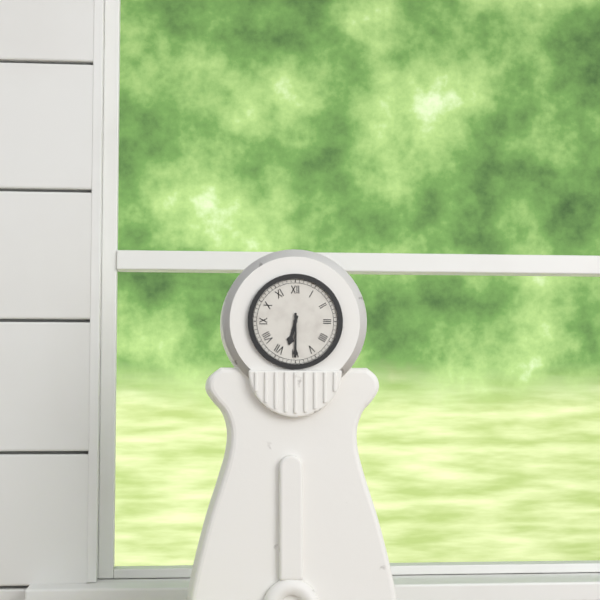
h=6 m=30
